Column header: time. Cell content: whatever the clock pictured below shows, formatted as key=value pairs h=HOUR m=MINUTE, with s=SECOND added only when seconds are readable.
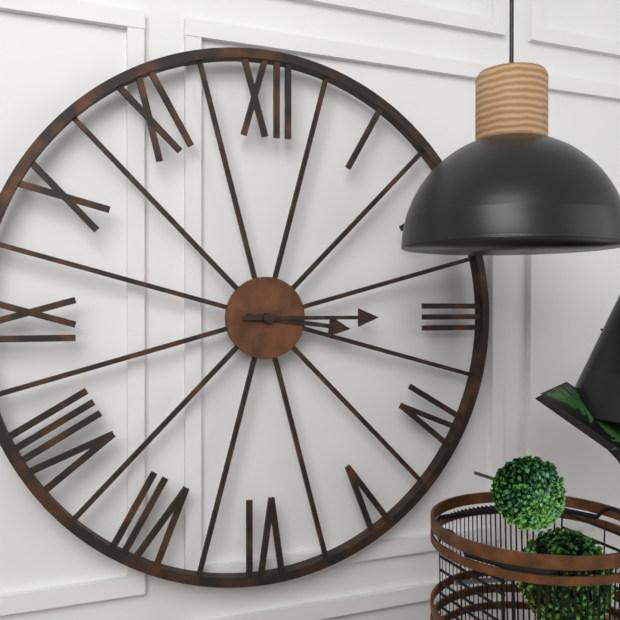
h=3 m=15
